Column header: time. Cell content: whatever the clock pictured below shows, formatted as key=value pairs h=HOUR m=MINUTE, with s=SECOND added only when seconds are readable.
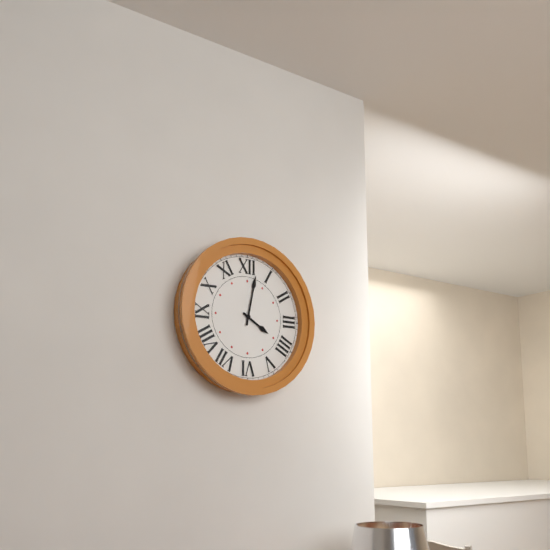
h=4 m=2
